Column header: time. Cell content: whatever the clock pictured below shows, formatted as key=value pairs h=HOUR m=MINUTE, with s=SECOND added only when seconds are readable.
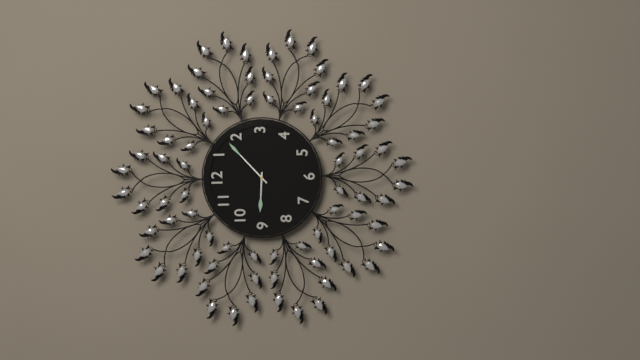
h=9 m=8
